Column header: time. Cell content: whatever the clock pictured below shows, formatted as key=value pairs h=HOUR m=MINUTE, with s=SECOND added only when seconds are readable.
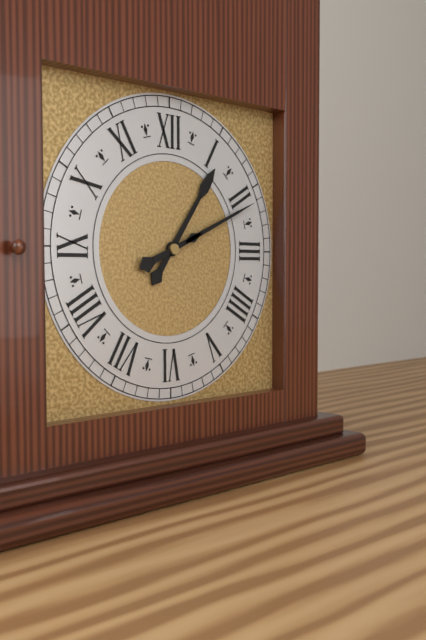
h=1 m=11
